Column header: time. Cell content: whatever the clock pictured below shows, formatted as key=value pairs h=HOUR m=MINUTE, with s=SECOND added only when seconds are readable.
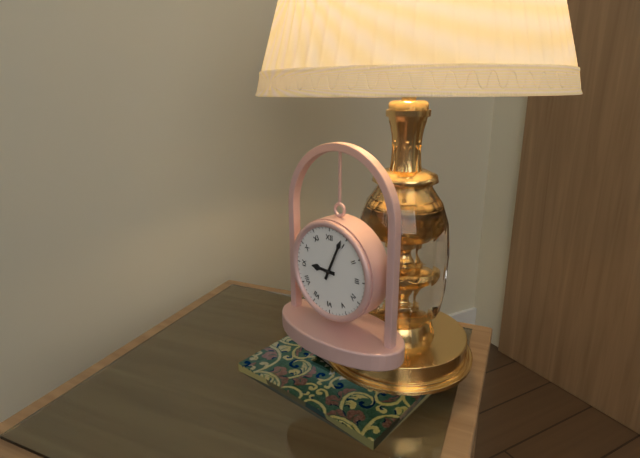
h=9 m=4
